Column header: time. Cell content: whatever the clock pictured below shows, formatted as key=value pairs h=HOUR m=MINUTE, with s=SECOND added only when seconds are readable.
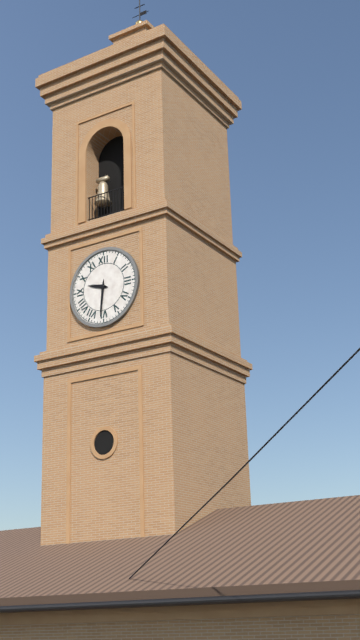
h=9 m=31
